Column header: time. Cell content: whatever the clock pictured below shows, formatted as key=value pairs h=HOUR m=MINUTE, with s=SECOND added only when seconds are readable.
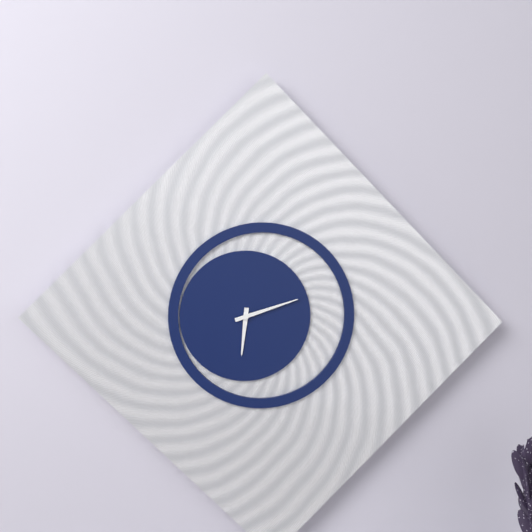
h=6 m=12
